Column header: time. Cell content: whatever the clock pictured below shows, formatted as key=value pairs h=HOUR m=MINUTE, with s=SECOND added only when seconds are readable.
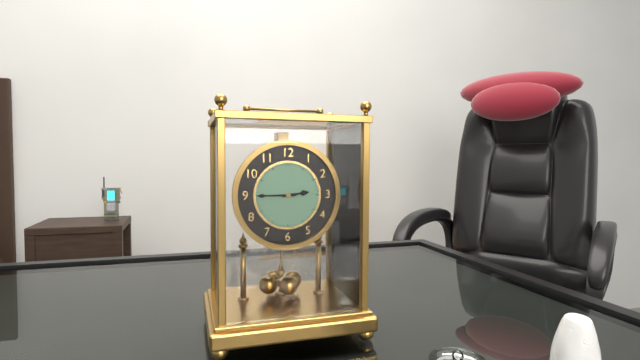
h=2 m=45
